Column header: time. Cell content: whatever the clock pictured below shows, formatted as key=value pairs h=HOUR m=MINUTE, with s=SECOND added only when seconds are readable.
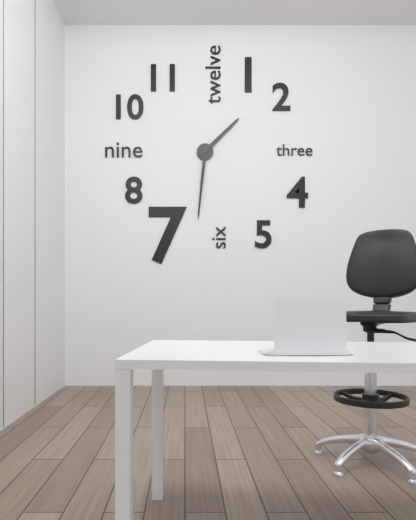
h=1 m=31
